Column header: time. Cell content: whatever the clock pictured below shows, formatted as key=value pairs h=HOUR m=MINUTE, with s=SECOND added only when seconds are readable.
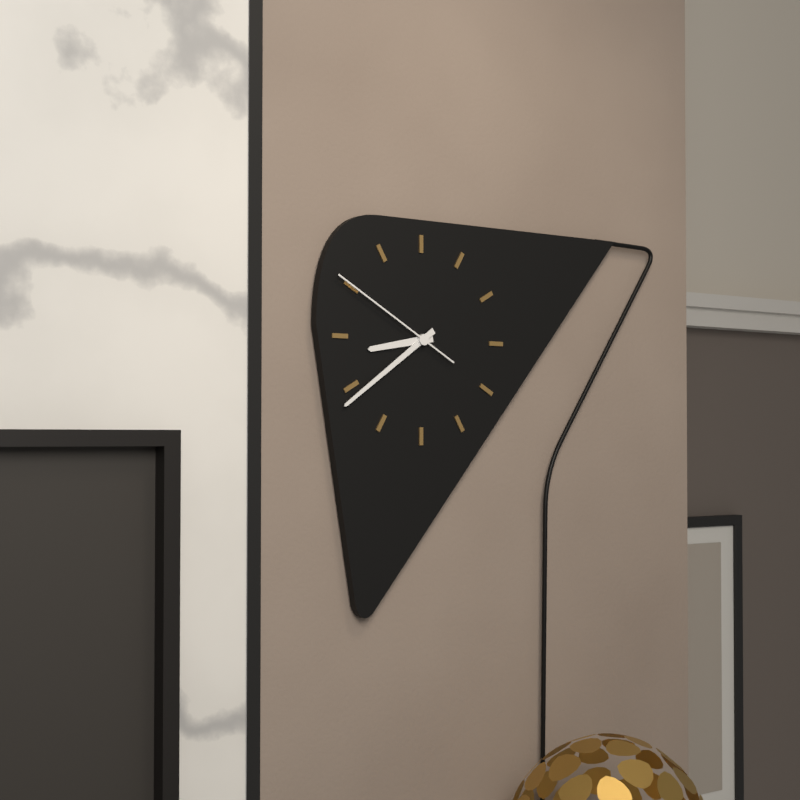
h=8 m=39 s=50
